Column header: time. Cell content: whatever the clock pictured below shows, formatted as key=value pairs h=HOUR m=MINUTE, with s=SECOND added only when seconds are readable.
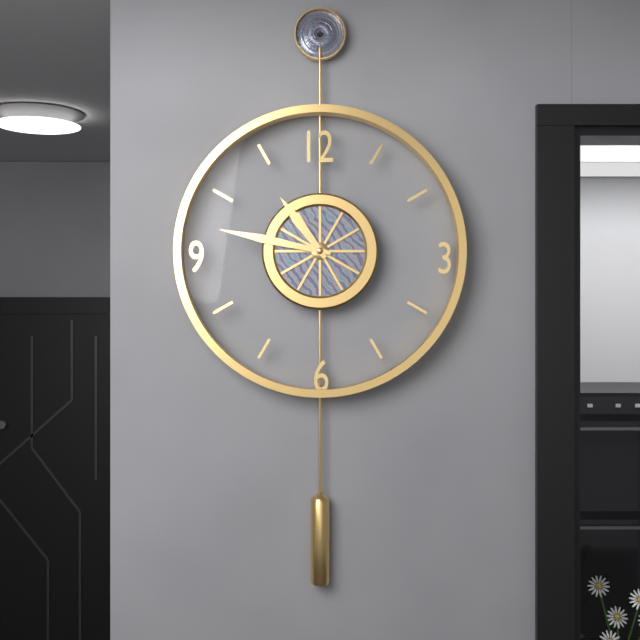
h=10 m=47
